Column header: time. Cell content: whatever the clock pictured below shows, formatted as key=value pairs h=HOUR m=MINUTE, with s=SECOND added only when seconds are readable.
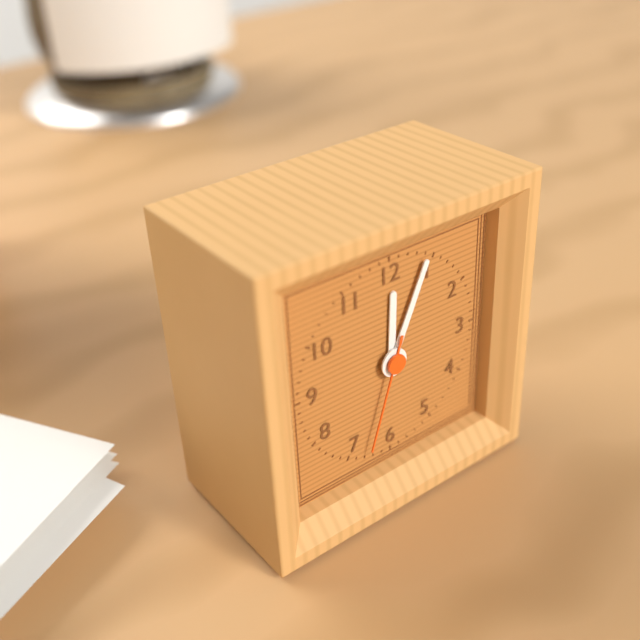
h=12 m=4 s=33
